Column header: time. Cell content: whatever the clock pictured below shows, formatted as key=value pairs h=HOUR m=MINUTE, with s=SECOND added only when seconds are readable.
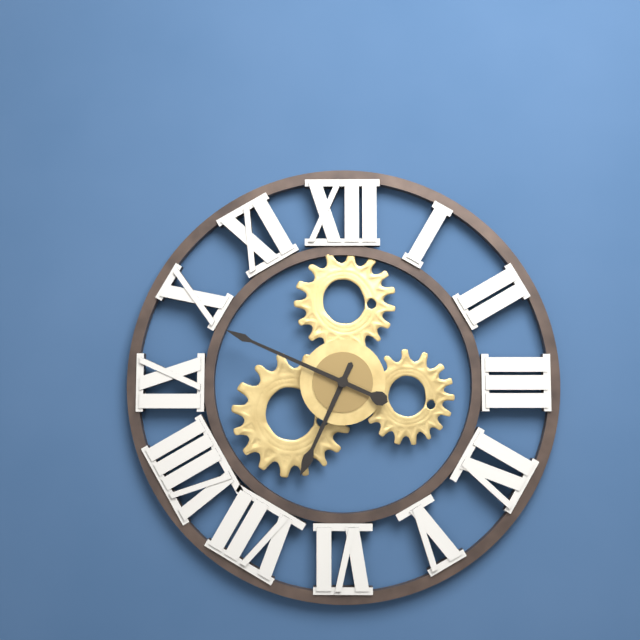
h=6 m=49
